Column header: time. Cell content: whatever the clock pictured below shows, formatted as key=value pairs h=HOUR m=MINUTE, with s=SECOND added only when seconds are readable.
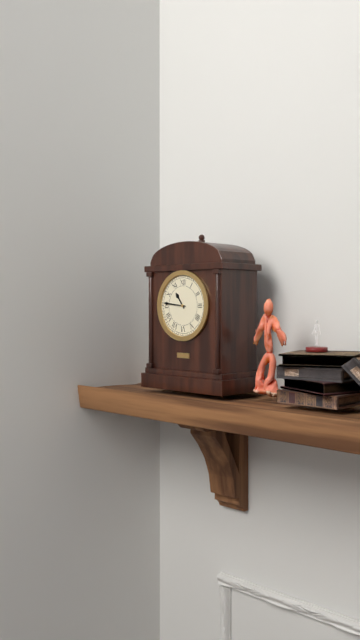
h=10 m=46
